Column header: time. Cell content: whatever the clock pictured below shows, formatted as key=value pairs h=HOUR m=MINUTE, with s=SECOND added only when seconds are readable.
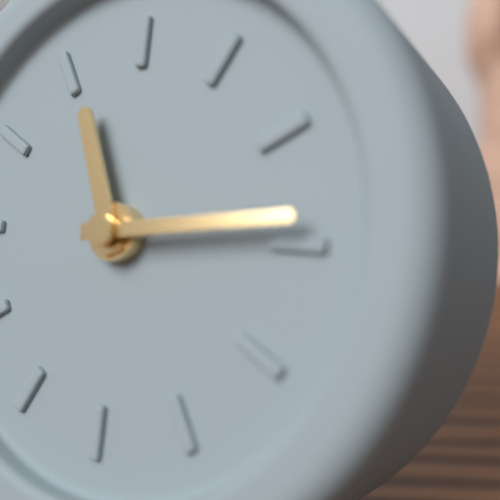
h=11 m=14
